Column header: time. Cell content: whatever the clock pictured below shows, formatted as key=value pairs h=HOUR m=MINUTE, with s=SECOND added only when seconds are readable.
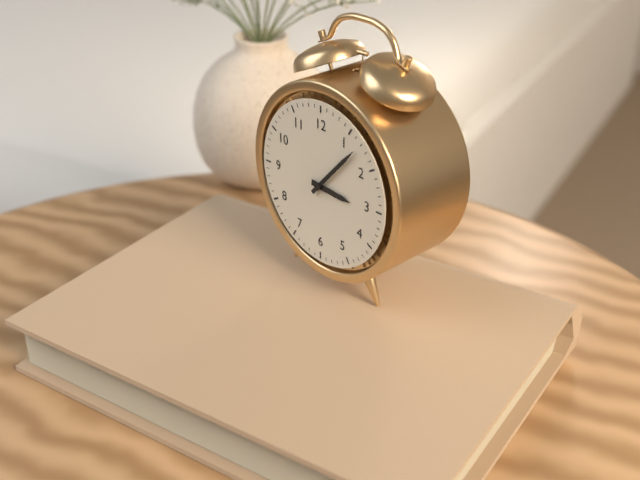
h=3 m=7
